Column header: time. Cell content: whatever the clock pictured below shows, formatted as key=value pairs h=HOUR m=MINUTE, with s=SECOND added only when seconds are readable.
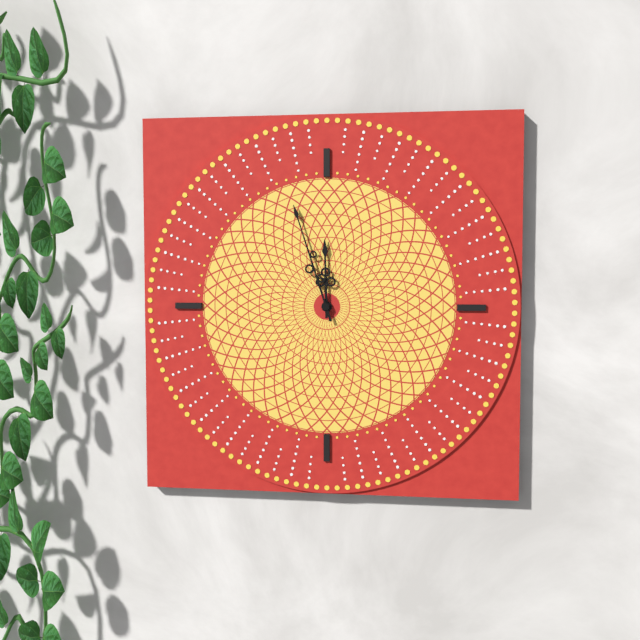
h=11 m=57
